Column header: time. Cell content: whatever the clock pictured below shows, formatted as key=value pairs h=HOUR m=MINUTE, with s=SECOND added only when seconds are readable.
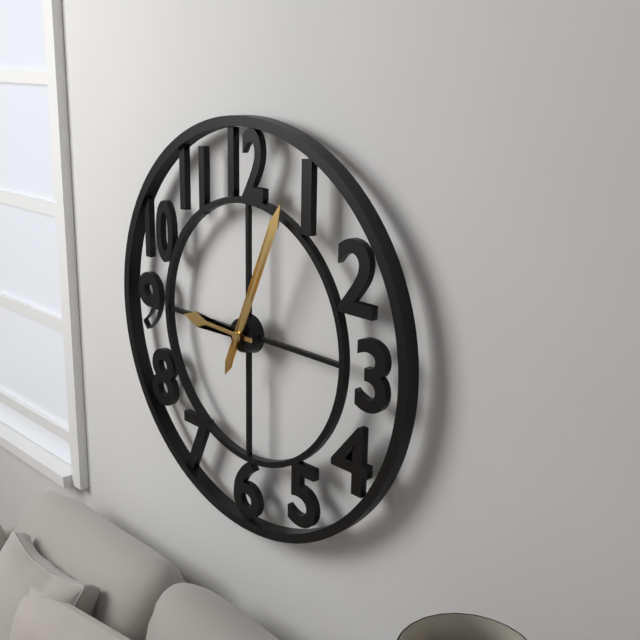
h=9 m=4
